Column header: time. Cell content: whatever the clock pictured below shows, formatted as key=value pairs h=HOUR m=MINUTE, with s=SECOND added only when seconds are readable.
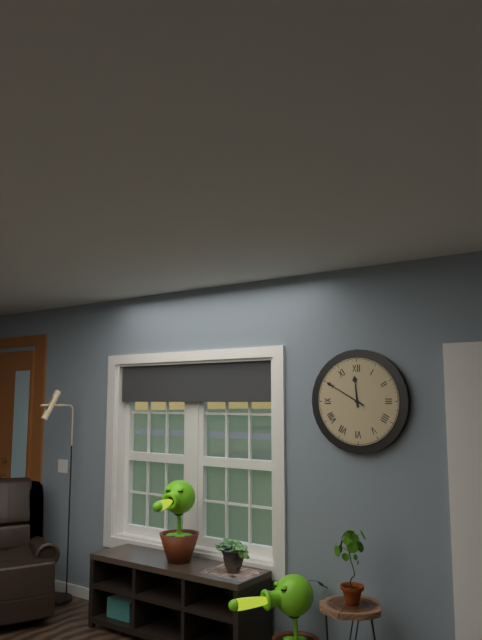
h=11 m=50
